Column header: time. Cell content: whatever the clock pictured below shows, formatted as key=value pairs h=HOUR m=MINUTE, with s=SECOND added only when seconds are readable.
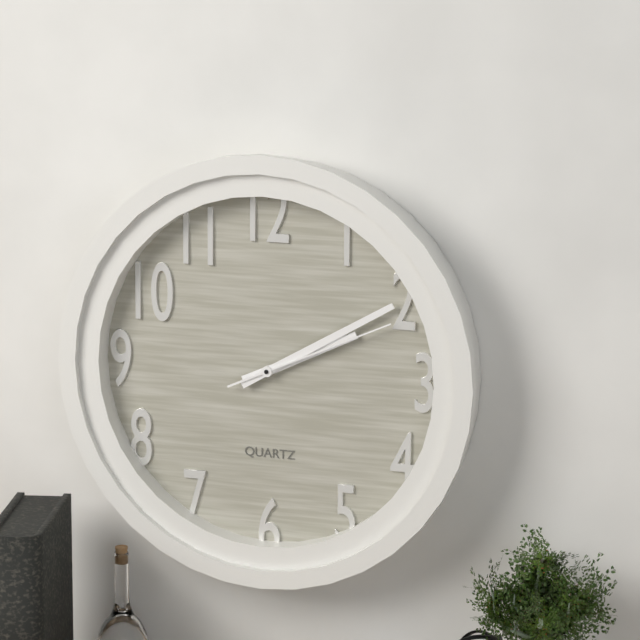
h=2 m=10 s=11
